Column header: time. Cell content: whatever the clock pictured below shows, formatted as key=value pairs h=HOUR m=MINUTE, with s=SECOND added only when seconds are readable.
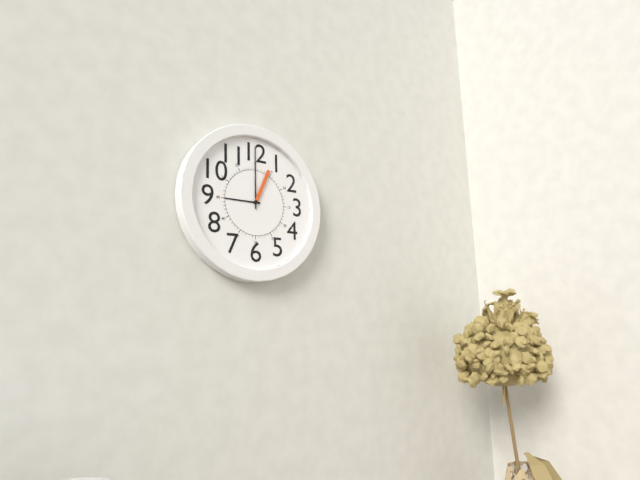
h=9 m=0
